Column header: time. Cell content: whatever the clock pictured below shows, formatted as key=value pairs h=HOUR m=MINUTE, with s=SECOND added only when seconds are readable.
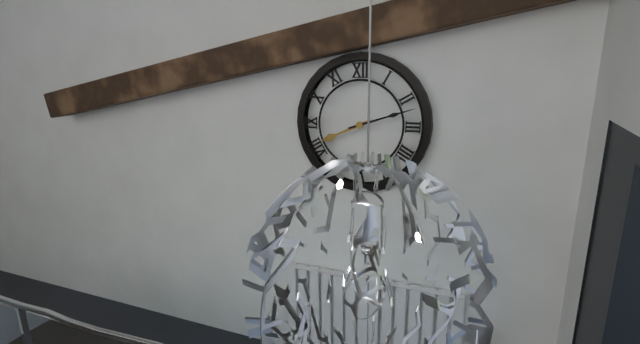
h=8 m=12
